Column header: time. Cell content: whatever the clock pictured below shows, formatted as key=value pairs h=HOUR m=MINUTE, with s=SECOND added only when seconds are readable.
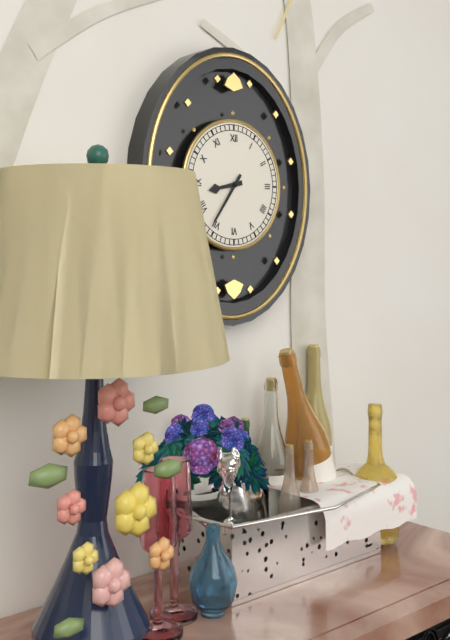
h=8 m=36
